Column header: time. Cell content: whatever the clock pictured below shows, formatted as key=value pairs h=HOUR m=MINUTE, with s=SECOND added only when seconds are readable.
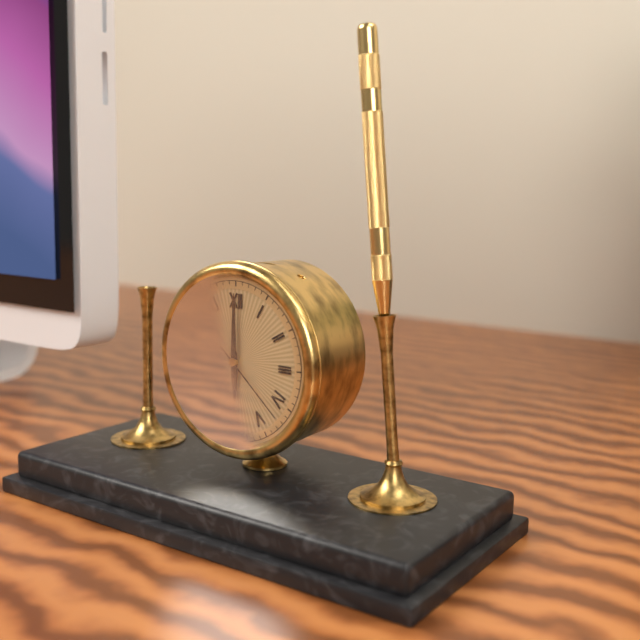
h=6 m=0 s=22
